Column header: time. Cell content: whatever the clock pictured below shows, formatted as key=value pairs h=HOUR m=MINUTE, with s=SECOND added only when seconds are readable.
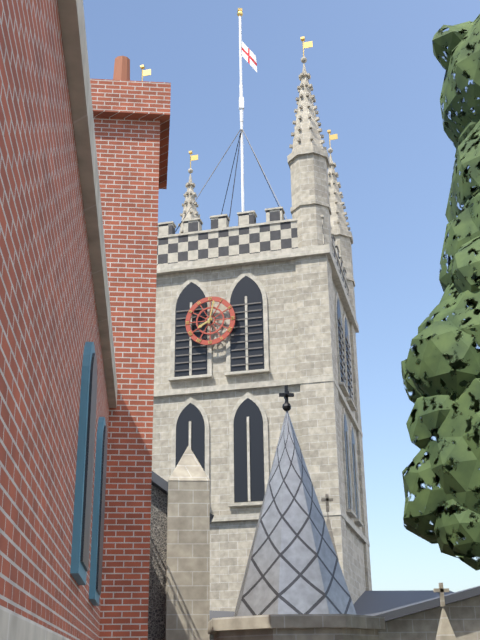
h=8 m=2
